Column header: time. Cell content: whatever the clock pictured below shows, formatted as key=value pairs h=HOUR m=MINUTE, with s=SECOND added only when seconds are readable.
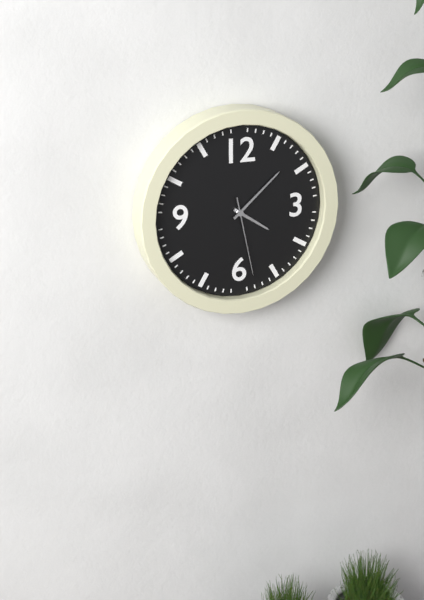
h=4 m=8 s=28
